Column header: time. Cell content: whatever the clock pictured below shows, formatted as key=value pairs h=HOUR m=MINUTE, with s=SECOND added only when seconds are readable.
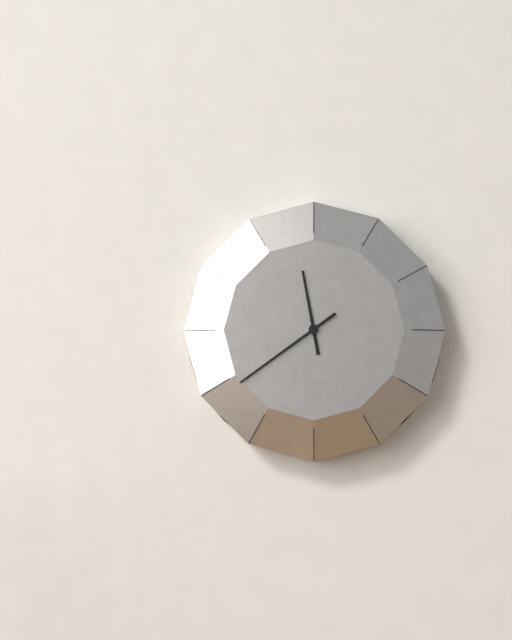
h=11 m=39
